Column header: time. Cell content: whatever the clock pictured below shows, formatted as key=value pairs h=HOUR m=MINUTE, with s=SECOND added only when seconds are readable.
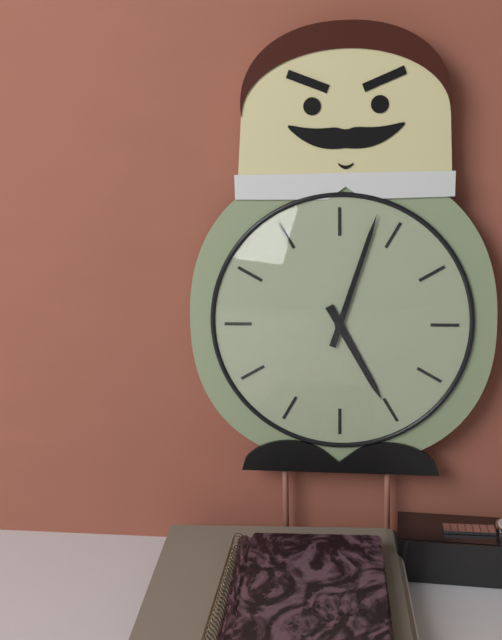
h=5 m=3
